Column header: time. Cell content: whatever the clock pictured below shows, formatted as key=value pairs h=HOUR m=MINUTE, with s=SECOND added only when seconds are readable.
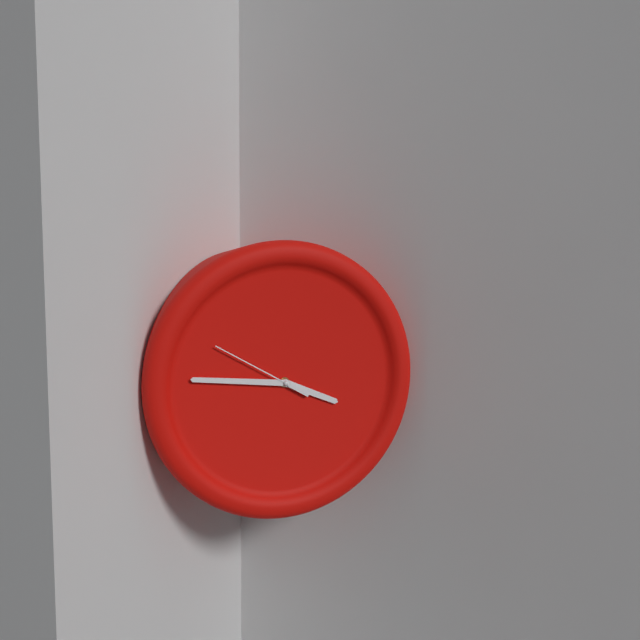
h=3 m=46 s=50
